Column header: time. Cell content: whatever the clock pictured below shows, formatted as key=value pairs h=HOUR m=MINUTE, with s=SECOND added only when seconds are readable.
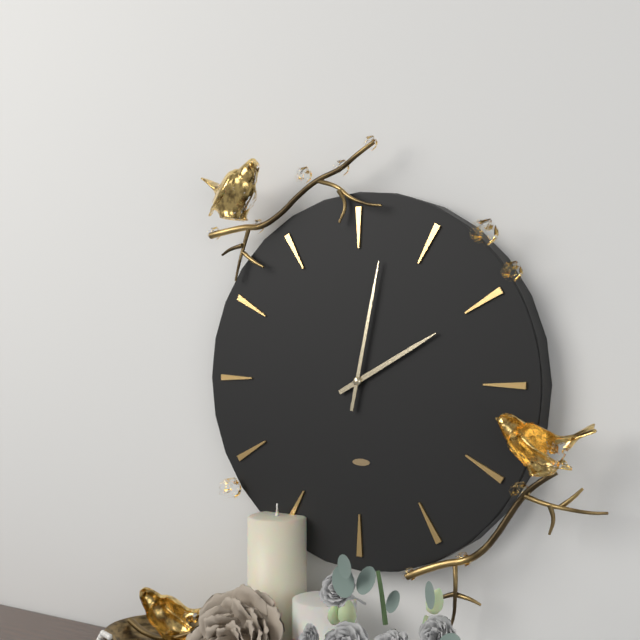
h=2 m=2
